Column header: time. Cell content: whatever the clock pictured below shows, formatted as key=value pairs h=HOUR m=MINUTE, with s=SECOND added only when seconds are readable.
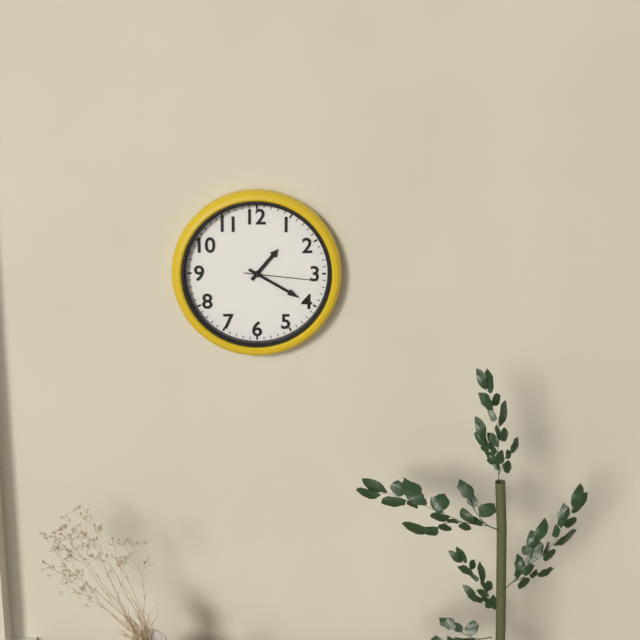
h=1 m=20 s=16
